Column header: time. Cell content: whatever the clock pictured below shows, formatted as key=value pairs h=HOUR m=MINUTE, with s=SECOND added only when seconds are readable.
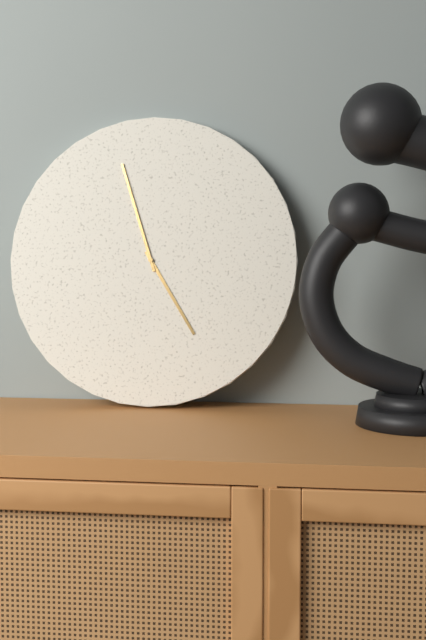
h=4 m=57
